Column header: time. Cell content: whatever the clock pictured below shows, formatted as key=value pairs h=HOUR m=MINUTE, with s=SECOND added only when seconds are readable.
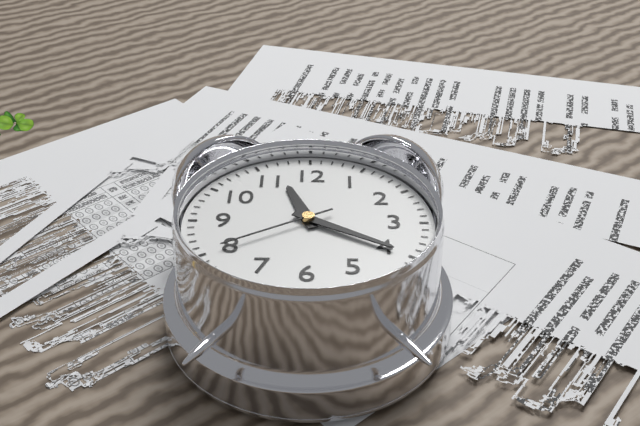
h=11 m=20 s=40
